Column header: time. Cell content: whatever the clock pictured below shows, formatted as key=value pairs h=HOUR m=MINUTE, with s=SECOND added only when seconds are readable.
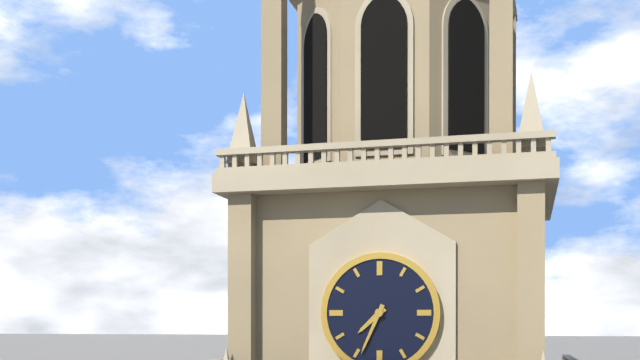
h=7 m=34
